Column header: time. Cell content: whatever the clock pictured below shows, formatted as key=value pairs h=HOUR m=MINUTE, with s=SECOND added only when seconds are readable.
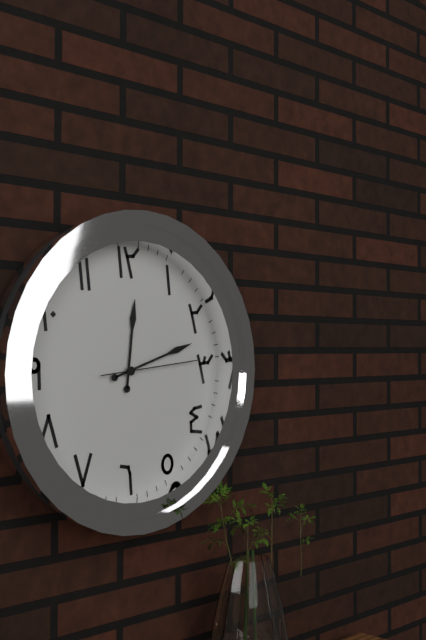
h=12 m=12 s=14
